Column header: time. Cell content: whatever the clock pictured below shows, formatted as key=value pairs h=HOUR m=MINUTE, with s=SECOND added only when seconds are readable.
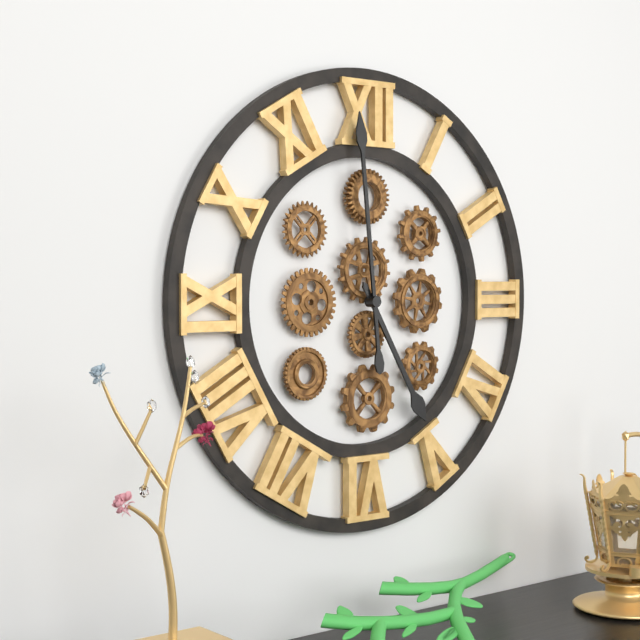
h=4 m=59
